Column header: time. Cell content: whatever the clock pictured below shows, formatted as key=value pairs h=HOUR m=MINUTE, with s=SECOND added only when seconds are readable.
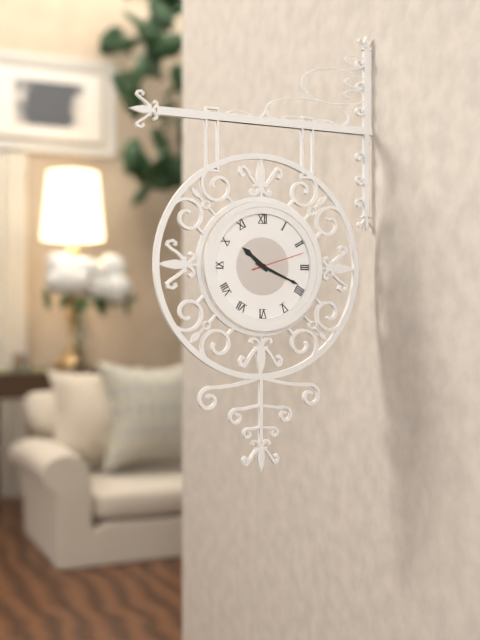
h=10 m=19 s=12
